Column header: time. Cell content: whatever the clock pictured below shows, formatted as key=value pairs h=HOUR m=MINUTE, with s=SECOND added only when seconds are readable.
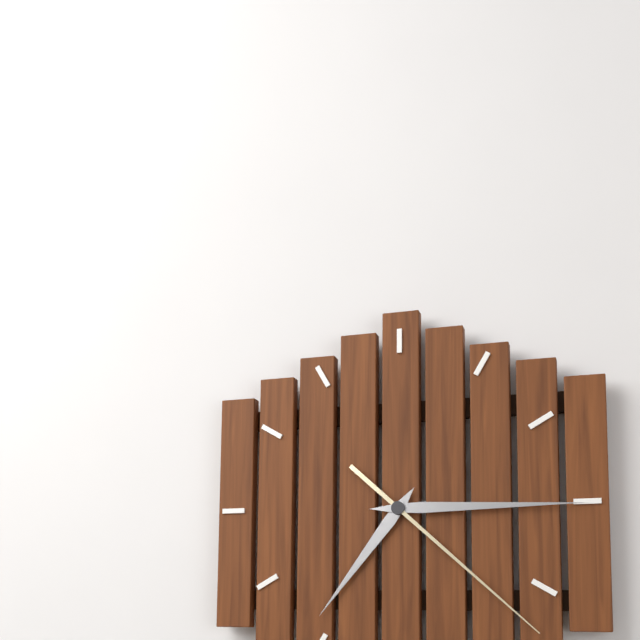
h=7 m=15 s=22
